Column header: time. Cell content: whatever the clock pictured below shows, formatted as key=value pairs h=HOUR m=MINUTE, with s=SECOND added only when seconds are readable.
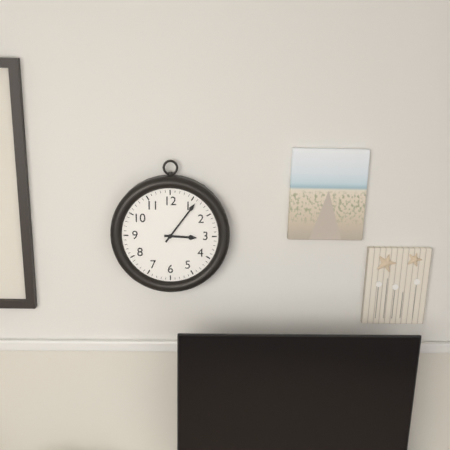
h=3 m=6
